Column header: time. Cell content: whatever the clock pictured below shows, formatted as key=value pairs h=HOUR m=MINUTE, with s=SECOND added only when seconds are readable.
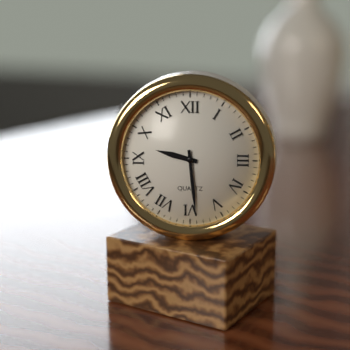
h=9 m=29
